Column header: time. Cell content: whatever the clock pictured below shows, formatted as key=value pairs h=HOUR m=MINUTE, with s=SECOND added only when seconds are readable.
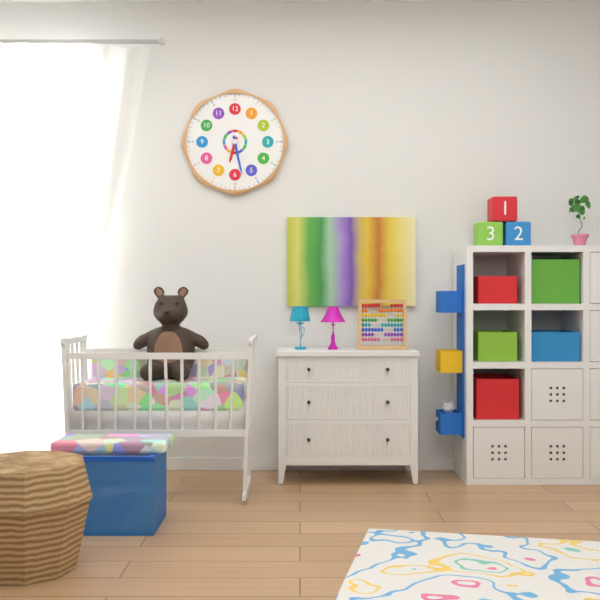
h=6 m=28
